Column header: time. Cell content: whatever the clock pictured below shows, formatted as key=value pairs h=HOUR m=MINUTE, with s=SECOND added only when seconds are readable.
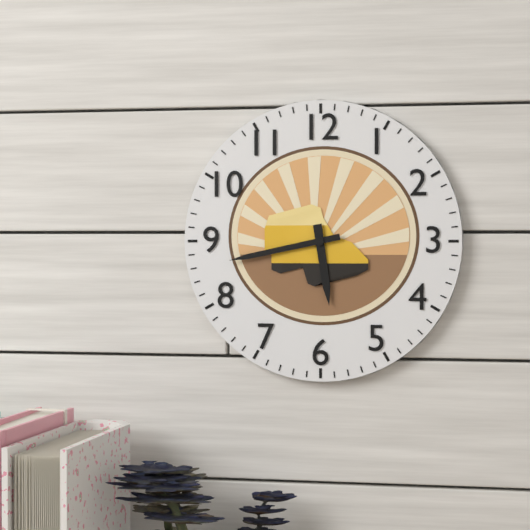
h=5 m=43
